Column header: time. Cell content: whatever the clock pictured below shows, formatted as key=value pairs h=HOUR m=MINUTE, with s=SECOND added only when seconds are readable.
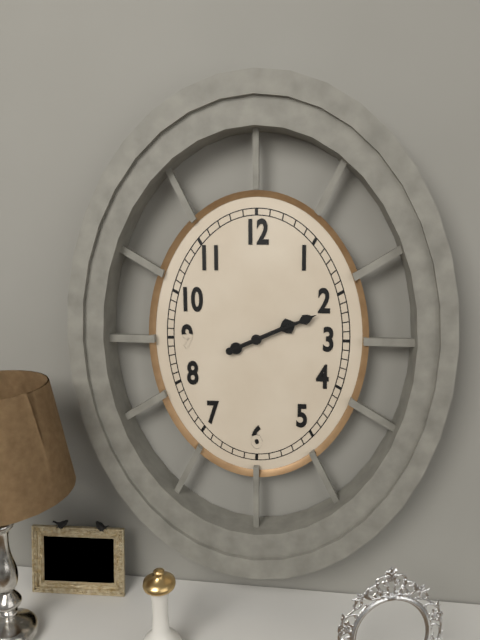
h=2 m=11
